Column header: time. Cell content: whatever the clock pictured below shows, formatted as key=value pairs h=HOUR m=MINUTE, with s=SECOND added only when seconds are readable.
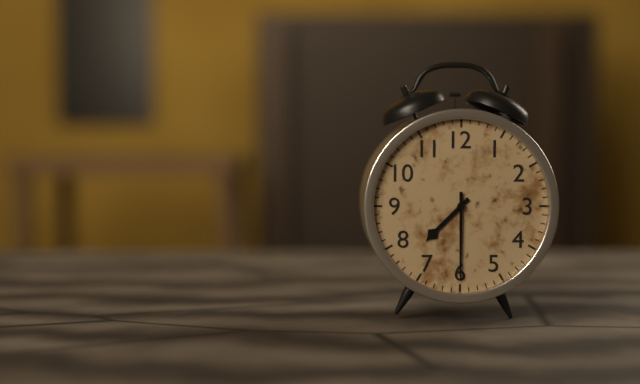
h=7 m=30
